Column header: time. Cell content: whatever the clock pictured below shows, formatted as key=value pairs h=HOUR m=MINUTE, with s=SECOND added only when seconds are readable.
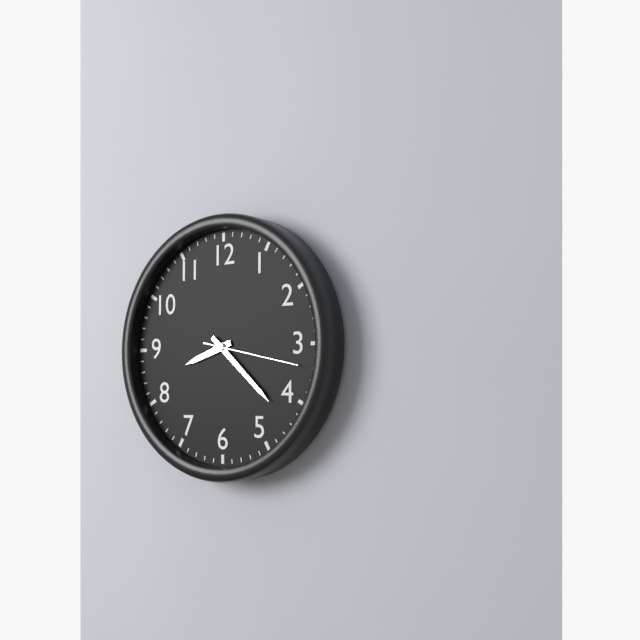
h=8 m=22 s=17
